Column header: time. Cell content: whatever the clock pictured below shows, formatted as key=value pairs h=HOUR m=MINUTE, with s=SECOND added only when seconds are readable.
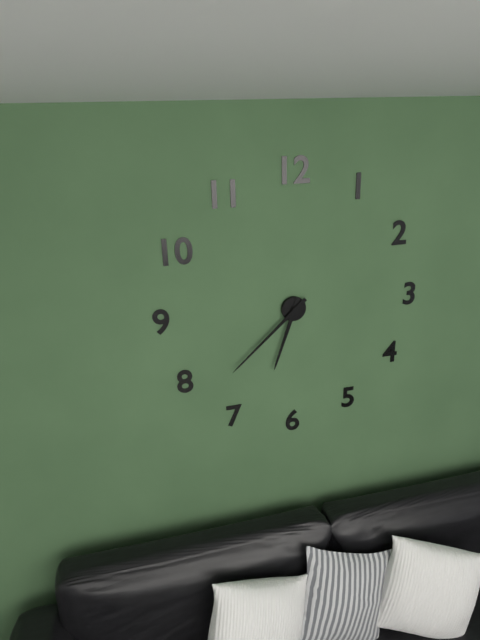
h=6 m=38
